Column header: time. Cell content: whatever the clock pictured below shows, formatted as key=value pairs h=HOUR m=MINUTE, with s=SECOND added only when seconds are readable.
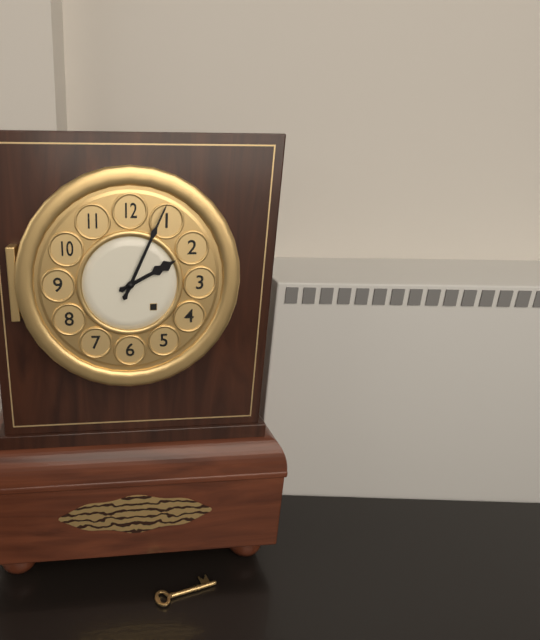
h=2 m=4
